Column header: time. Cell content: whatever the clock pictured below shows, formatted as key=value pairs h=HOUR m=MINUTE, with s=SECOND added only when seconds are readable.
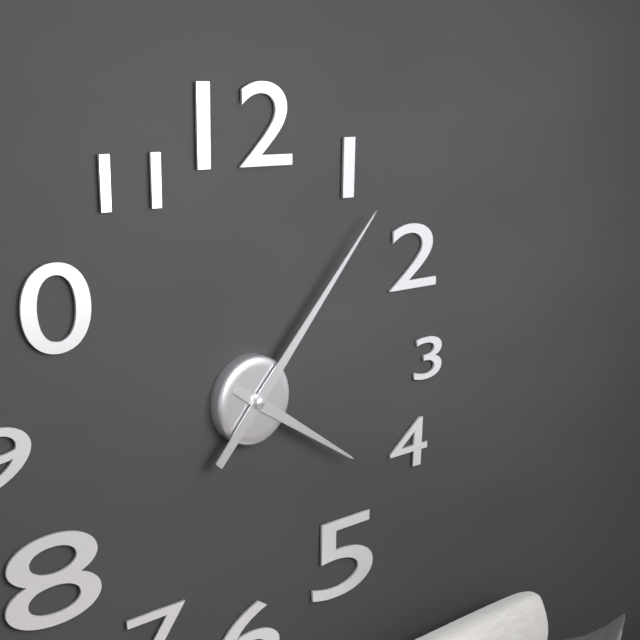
h=4 m=7
